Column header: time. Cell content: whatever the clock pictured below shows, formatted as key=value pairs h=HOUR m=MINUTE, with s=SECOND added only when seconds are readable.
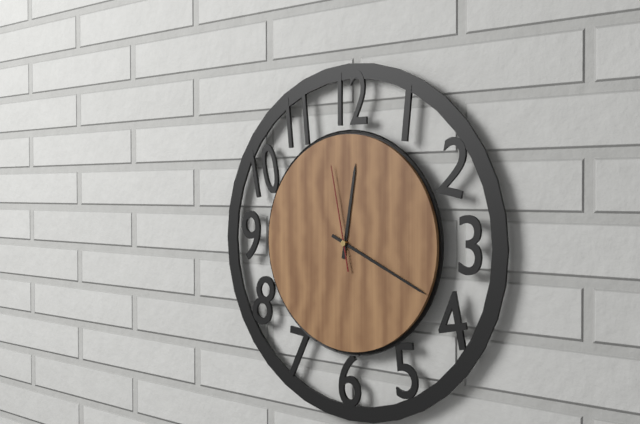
h=12 m=19 s=58
